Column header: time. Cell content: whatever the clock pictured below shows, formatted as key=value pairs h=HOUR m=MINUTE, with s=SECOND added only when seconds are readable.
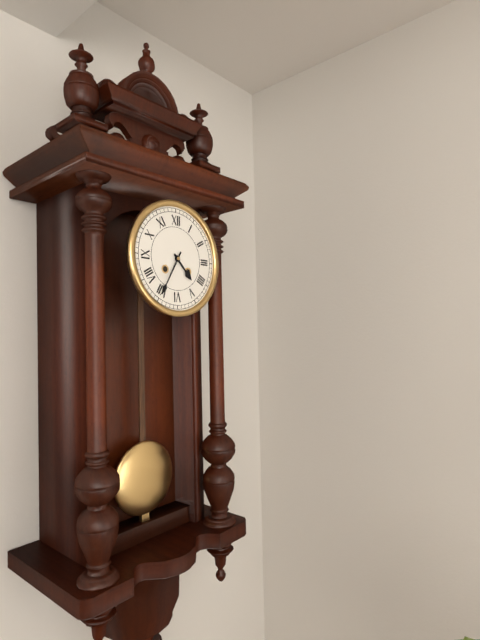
h=4 m=35
